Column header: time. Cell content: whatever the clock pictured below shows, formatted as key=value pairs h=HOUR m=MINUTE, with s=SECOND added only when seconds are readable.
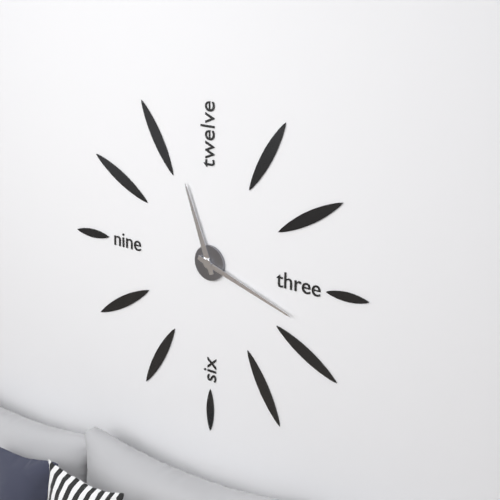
h=11 m=18
